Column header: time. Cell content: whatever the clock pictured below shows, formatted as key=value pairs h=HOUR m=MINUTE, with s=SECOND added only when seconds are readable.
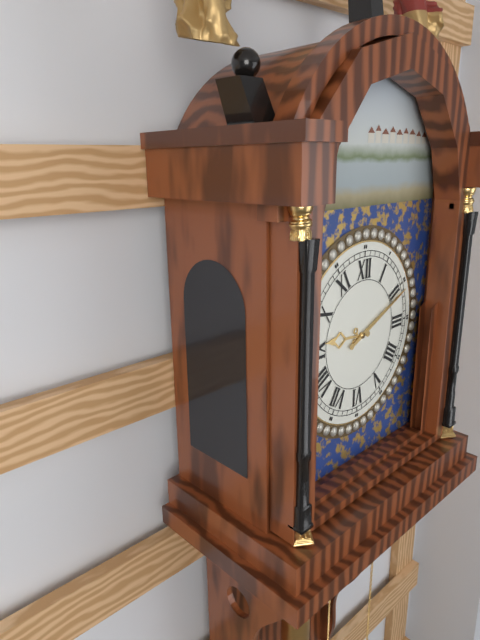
h=9 m=11
